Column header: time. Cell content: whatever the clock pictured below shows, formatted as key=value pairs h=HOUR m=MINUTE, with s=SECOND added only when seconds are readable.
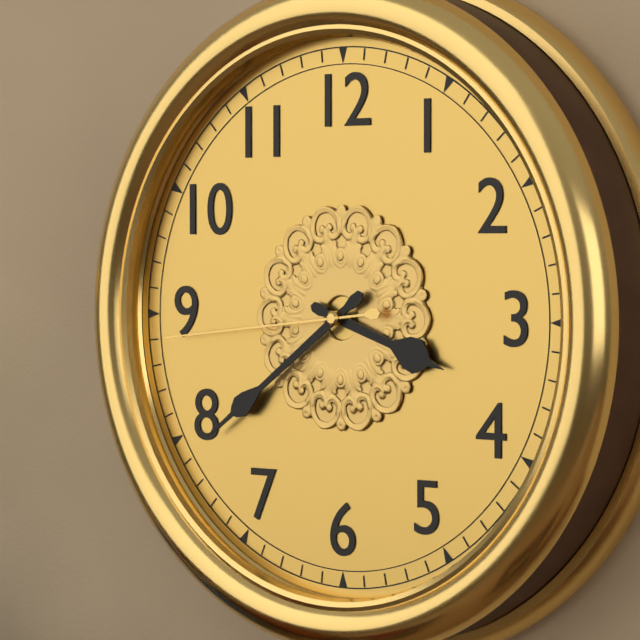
h=3 m=39 s=44
